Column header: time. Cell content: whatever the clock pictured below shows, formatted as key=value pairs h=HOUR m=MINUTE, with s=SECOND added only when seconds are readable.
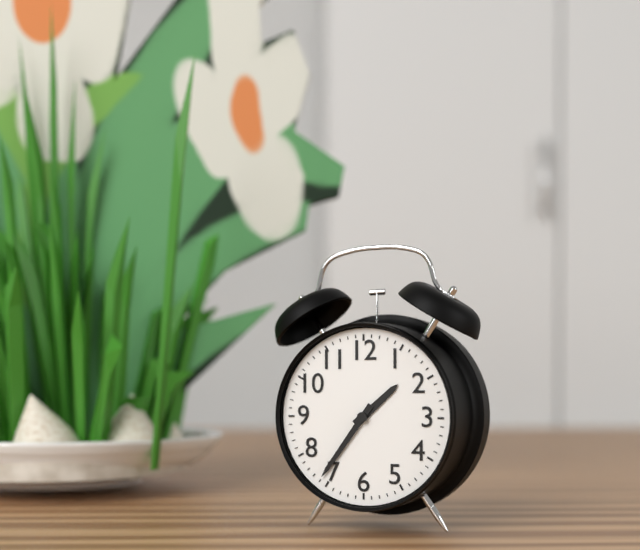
h=1 m=36
